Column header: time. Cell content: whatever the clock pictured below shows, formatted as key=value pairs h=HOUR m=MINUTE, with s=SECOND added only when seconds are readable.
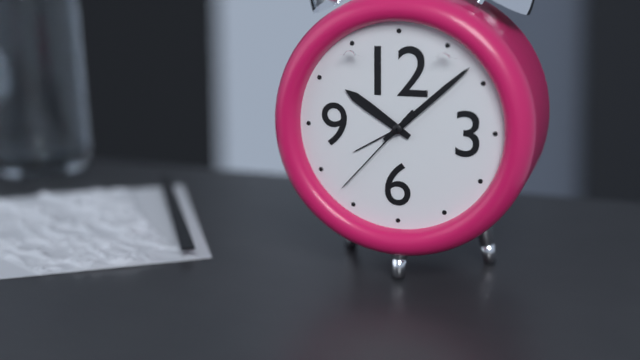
h=10 m=8 s=37
